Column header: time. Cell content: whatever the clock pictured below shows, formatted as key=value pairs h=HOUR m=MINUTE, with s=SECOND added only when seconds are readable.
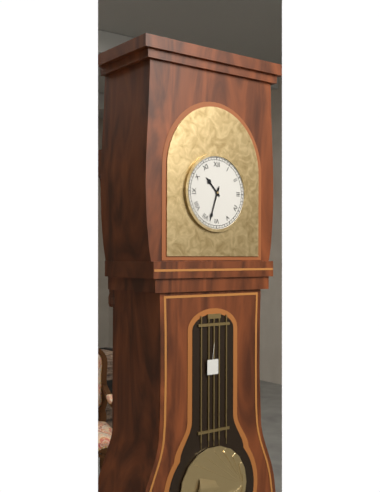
h=10 m=33
